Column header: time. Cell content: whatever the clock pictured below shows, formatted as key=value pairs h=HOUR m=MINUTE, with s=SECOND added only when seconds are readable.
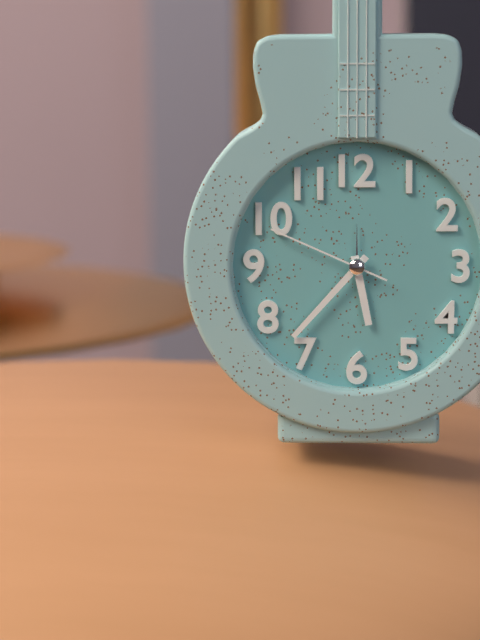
h=5 m=37 s=49
